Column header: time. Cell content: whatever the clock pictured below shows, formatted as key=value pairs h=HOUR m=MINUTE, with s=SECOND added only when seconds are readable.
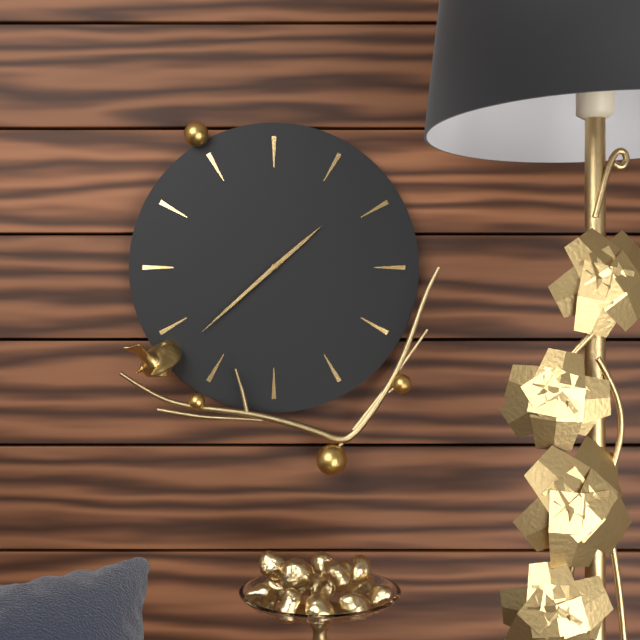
h=1 m=38
